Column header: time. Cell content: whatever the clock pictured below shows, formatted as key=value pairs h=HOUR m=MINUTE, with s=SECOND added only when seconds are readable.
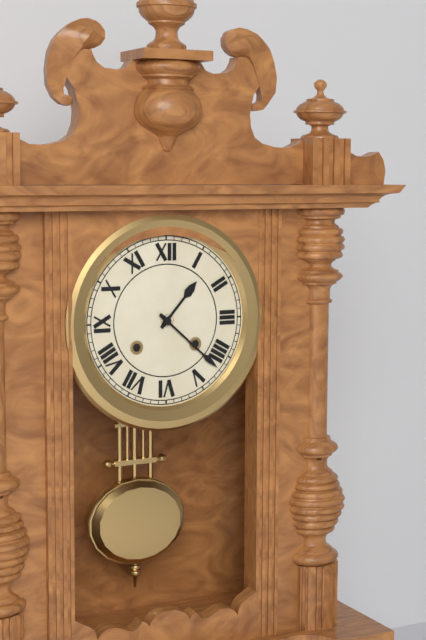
h=1 m=22
